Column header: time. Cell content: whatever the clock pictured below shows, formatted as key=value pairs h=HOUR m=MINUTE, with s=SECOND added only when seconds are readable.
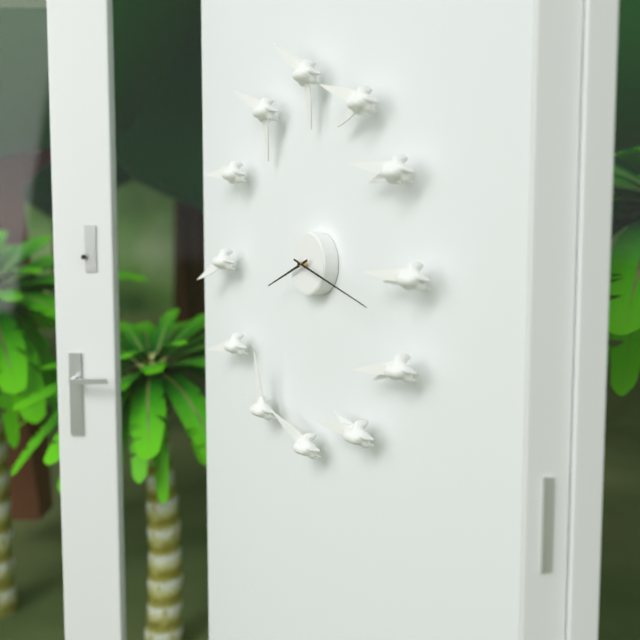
h=8 m=18
